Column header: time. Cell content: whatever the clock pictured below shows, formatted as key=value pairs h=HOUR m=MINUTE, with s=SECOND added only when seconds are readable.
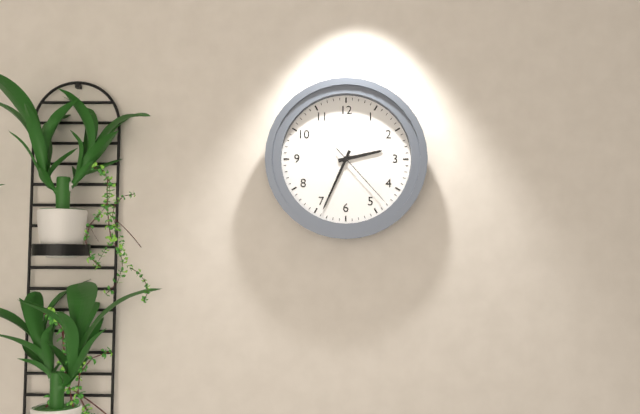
h=2 m=34 s=23
